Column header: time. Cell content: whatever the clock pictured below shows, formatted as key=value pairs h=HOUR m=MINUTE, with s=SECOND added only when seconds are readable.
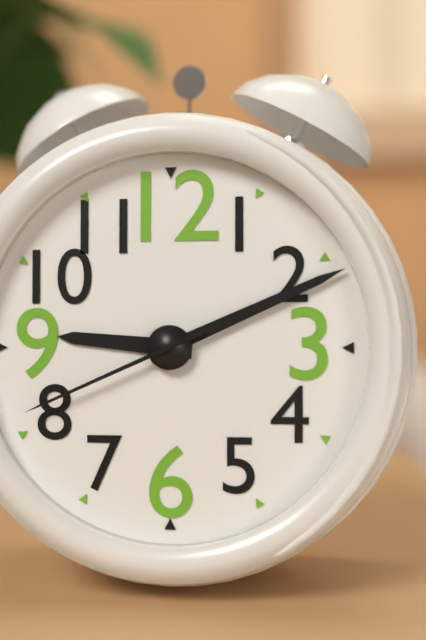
h=9 m=11 s=41
